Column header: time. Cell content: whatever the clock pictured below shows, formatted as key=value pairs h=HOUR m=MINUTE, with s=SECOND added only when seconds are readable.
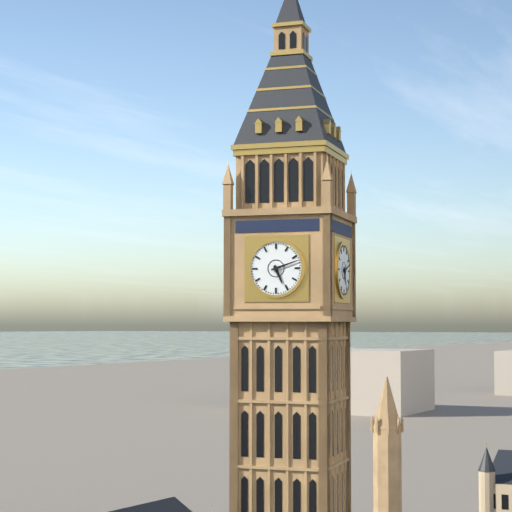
h=5 m=12
